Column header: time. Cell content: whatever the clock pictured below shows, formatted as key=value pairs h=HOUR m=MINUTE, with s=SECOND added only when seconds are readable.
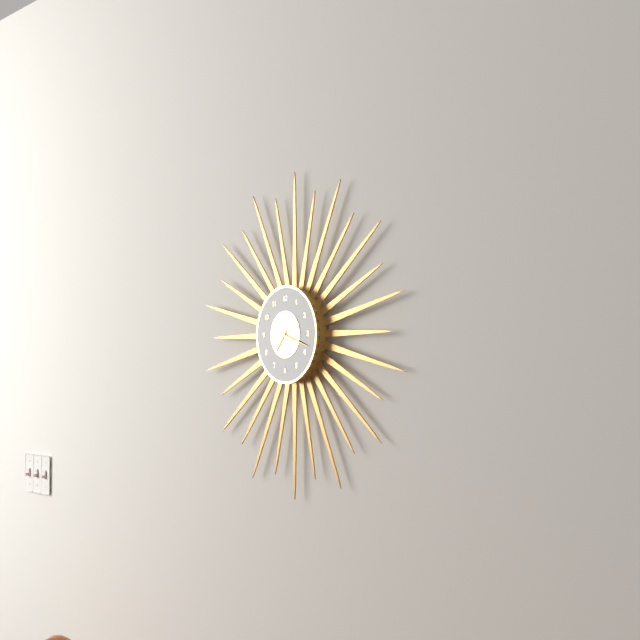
h=7 m=18
